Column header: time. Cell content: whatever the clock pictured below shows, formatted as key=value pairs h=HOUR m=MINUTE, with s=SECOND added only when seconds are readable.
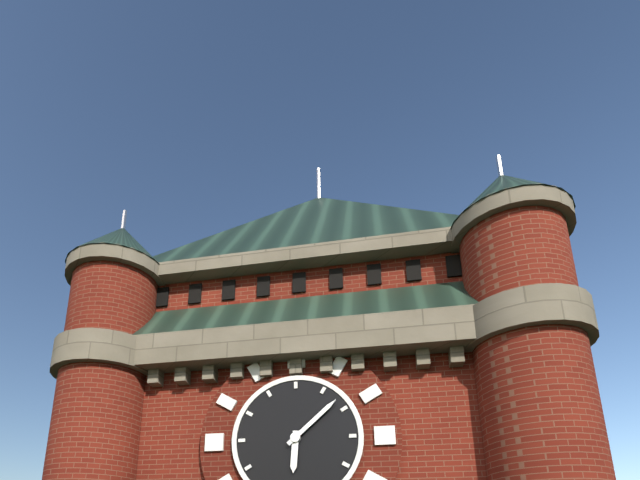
h=6 m=8
